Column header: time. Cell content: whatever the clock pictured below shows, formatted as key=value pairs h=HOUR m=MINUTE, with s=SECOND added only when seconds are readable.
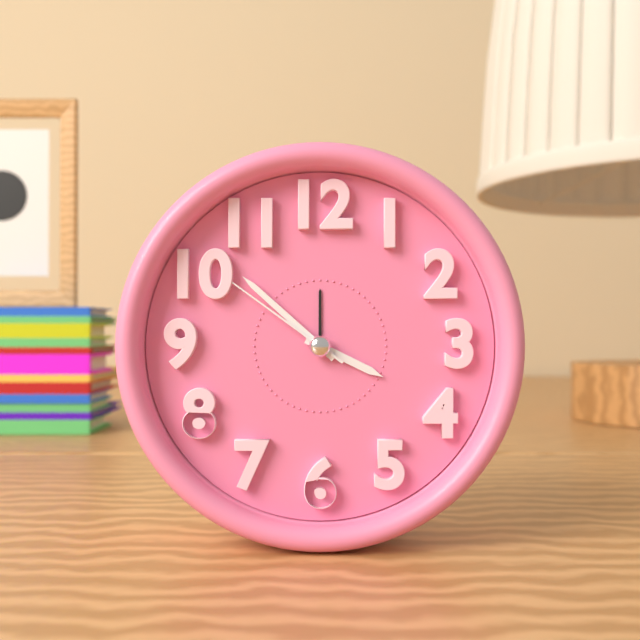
h=3 m=52 s=51
